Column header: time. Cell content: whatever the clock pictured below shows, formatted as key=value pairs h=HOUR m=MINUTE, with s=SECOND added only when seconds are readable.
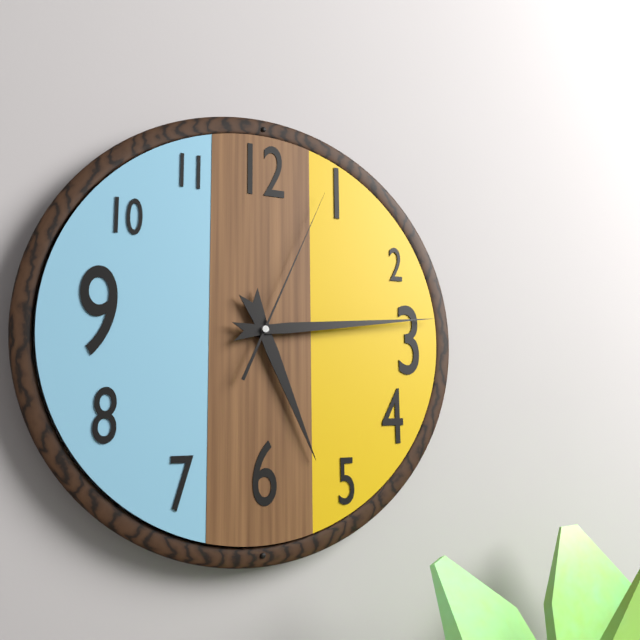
h=5 m=14 s=4
